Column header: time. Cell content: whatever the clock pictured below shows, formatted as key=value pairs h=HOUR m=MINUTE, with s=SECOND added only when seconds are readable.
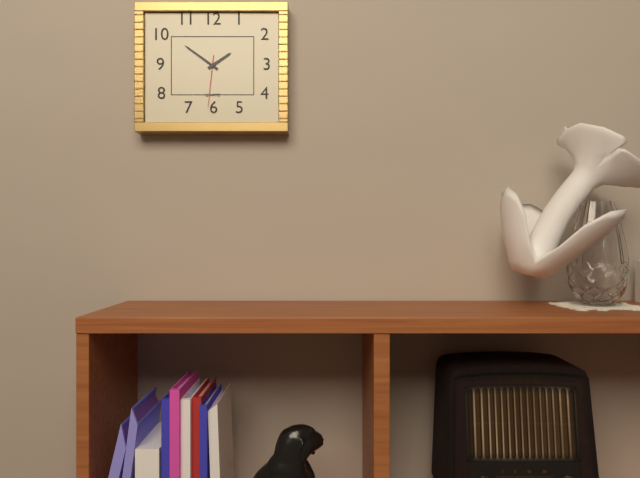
h=1 m=51 s=31
